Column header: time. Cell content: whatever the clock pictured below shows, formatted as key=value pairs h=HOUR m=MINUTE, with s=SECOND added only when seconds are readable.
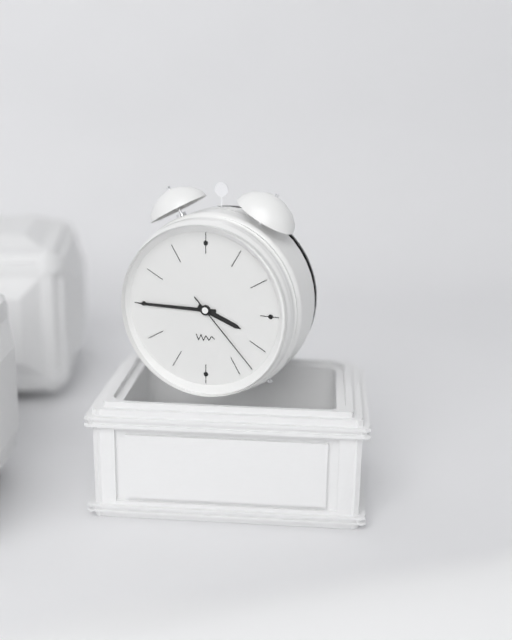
h=3 m=45 s=23
